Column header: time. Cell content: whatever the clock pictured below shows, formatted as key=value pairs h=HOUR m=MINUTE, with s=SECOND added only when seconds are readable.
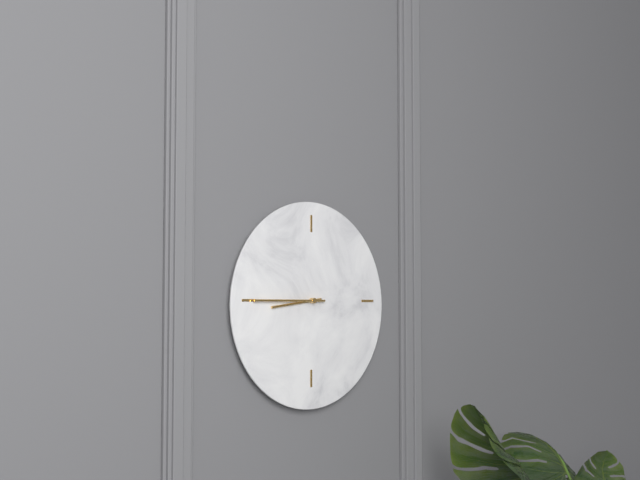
h=8 m=45
